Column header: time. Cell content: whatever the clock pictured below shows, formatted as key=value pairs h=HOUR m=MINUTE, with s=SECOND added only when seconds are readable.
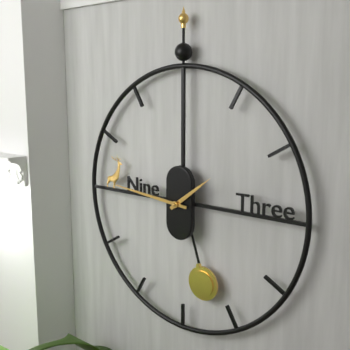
h=1 m=46
